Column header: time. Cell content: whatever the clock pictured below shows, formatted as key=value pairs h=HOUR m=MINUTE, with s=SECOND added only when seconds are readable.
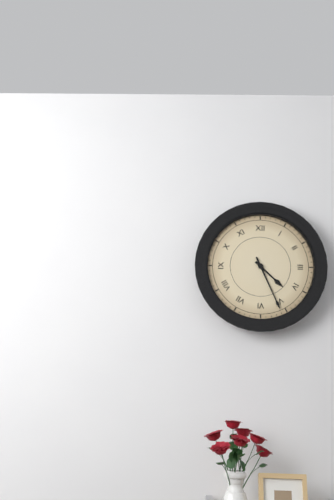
h=4 m=26
